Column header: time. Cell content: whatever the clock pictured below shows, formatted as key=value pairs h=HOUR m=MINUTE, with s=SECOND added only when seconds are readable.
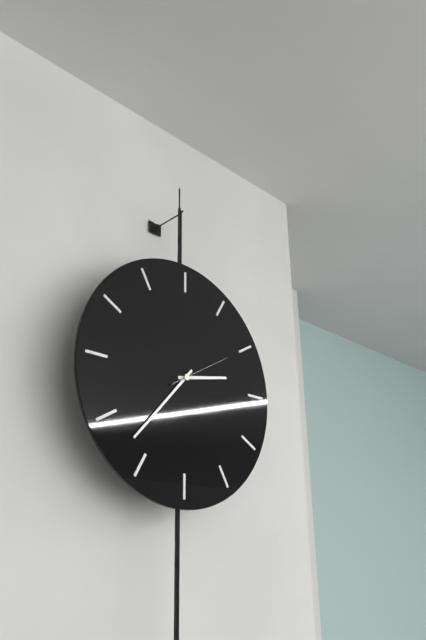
h=2 m=37 s=10
